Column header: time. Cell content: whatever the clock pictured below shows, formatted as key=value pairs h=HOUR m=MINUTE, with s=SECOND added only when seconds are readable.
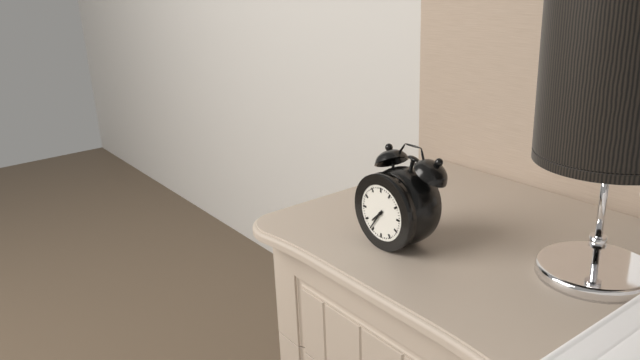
h=7 m=36
